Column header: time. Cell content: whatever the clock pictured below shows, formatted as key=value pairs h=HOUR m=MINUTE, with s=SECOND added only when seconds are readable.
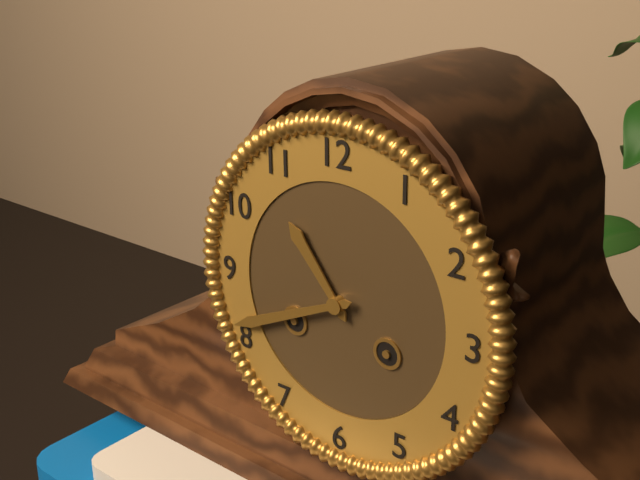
h=10 m=41
